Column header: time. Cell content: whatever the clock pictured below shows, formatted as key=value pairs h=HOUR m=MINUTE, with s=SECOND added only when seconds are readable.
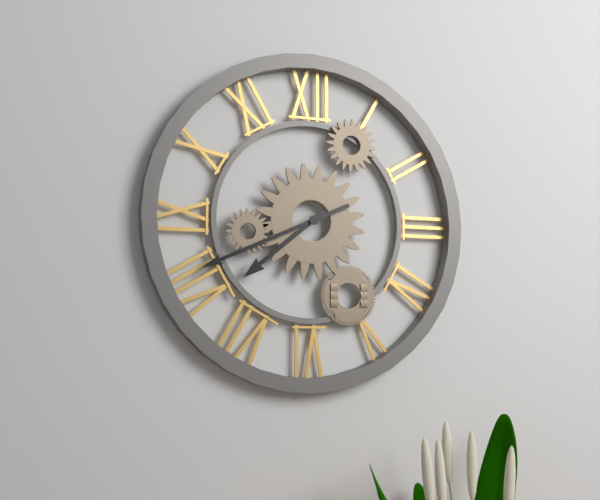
h=7 m=41
